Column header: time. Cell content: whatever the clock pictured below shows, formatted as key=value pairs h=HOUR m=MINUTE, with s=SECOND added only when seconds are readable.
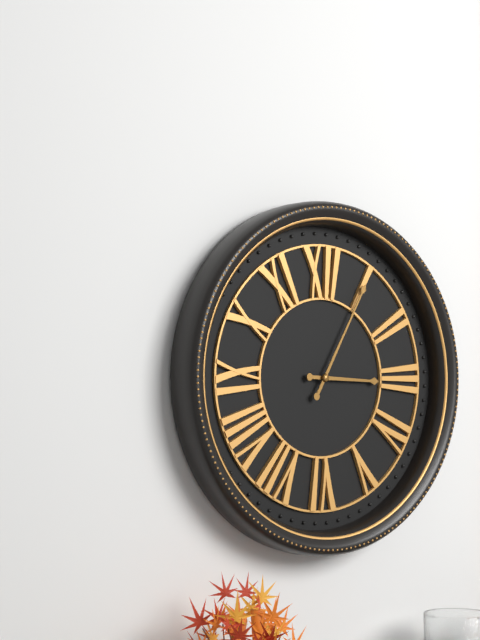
h=3 m=5
